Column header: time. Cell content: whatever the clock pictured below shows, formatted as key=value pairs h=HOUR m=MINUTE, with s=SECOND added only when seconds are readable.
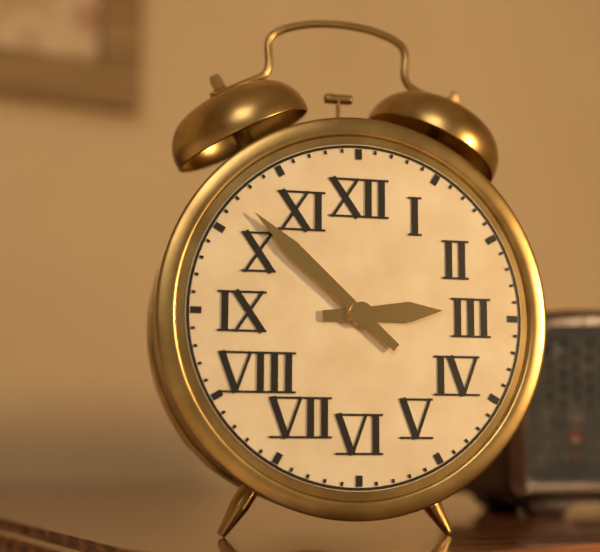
h=2 m=52
